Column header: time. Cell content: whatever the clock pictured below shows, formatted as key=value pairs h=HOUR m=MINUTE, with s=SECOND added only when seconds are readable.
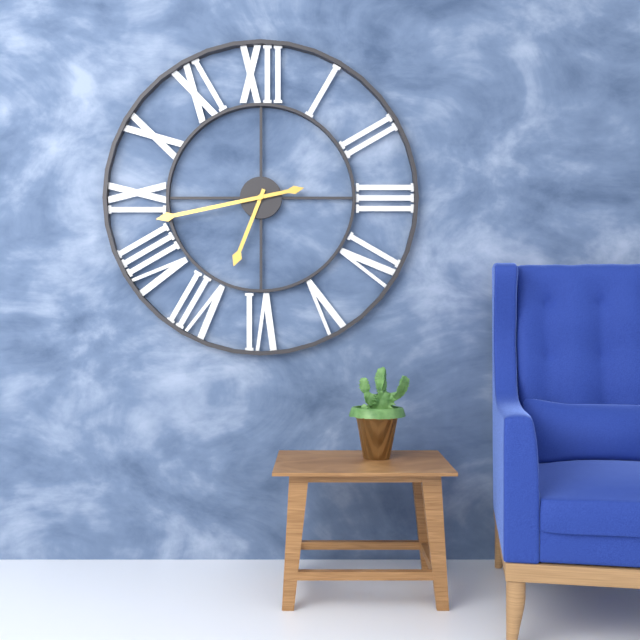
h=6 m=43
